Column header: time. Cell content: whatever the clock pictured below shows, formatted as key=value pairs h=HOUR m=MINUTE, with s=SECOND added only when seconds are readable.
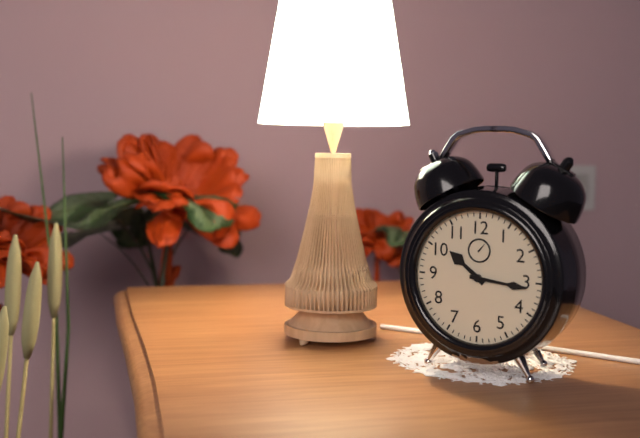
h=10 m=16
